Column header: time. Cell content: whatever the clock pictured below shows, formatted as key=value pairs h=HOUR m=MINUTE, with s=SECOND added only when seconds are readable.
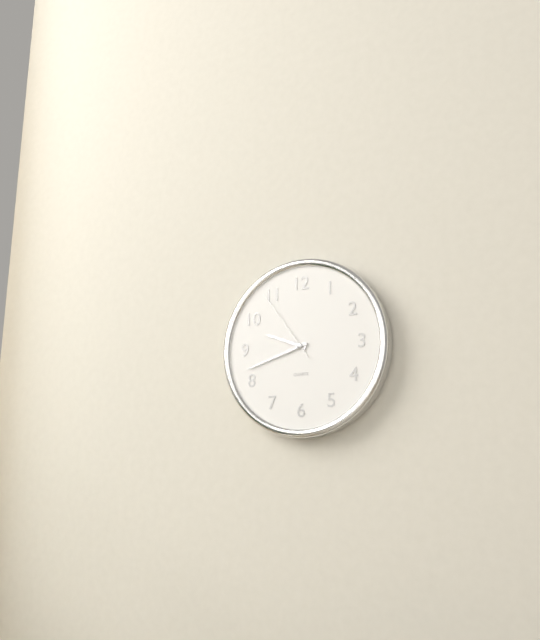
h=9 m=42 s=54
